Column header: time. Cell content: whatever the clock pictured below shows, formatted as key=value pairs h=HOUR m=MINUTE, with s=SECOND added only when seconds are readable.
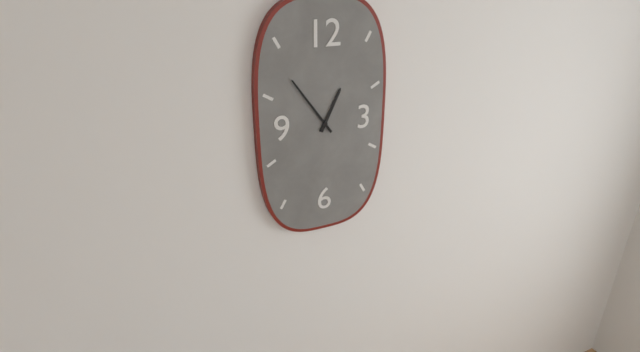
h=12 m=54
